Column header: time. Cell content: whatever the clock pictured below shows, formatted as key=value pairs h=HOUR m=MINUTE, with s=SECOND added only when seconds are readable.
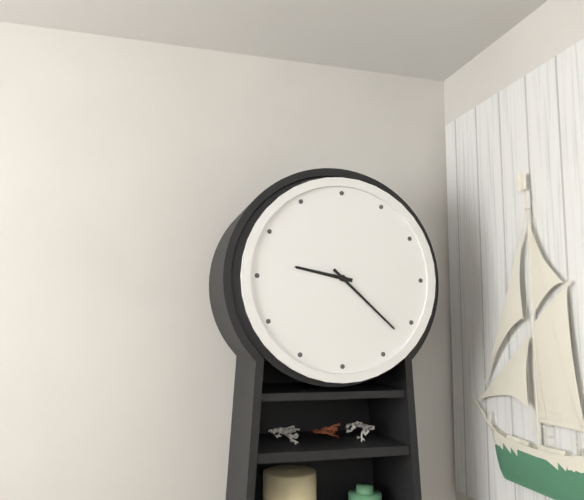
h=9 m=22
